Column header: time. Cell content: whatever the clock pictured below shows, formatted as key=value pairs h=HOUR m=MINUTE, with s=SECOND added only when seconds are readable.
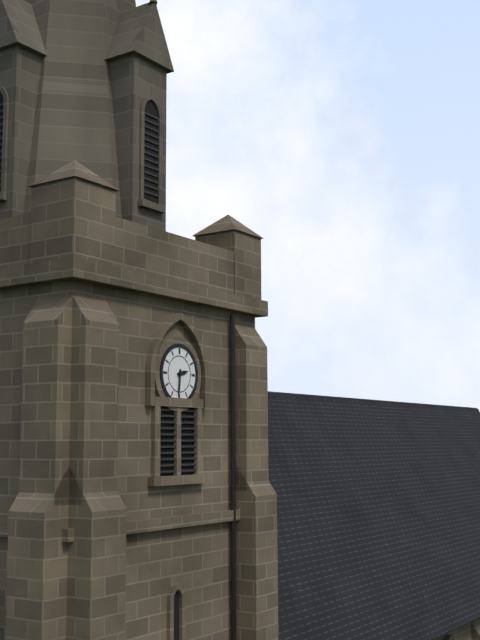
h=2 m=31
